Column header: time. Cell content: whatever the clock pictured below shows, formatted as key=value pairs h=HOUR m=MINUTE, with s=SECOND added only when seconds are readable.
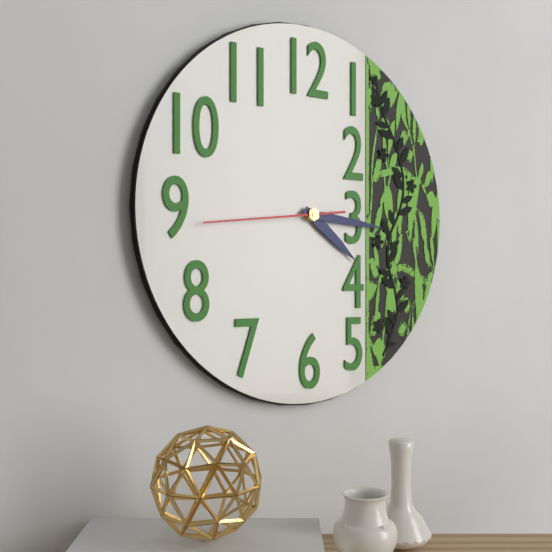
h=4 m=16 s=44
